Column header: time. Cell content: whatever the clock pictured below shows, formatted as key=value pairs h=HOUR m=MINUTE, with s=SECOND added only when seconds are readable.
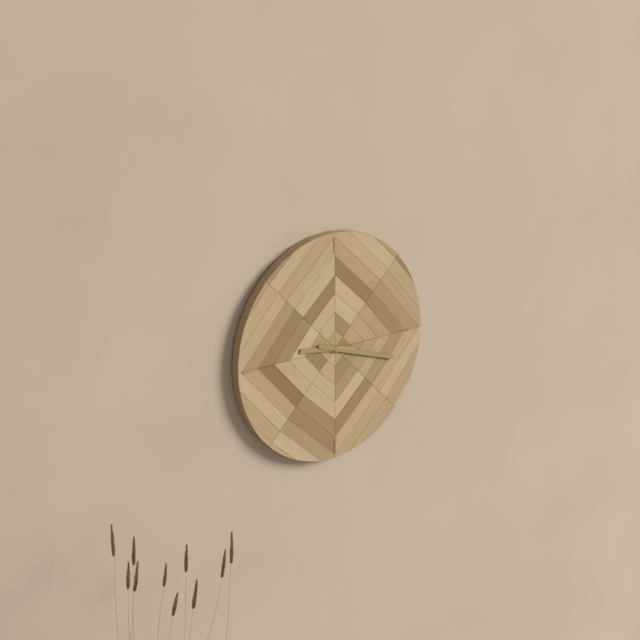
h=9 m=18
